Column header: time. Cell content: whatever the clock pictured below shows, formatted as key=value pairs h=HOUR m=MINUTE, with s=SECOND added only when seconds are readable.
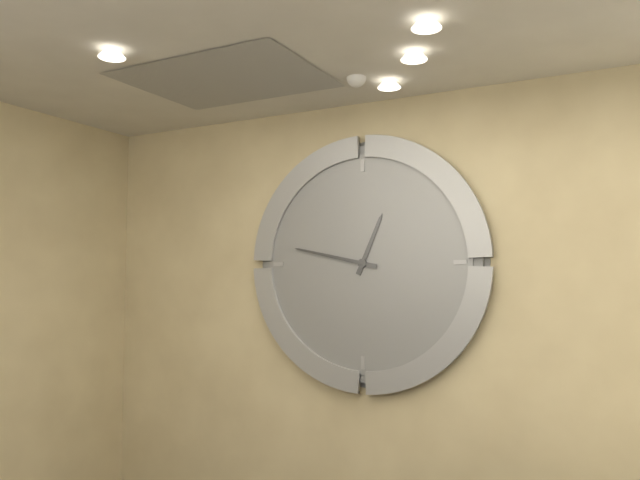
h=12 m=47
